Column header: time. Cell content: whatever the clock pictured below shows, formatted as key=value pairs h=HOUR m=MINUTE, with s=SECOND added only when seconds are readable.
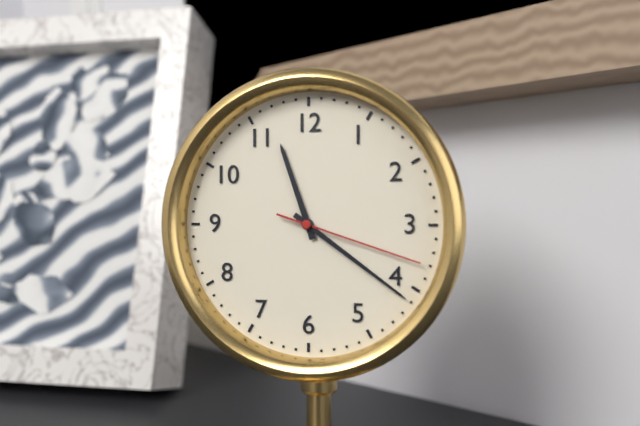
h=11 m=21 s=18
